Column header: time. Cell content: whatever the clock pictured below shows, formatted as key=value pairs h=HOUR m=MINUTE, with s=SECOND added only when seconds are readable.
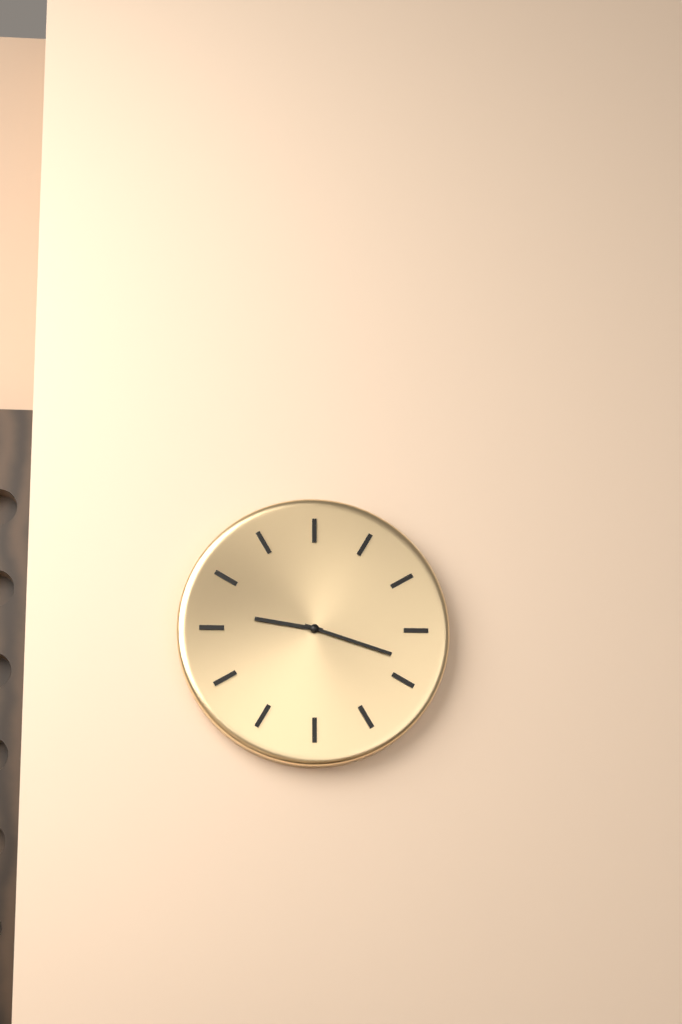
h=9 m=18
